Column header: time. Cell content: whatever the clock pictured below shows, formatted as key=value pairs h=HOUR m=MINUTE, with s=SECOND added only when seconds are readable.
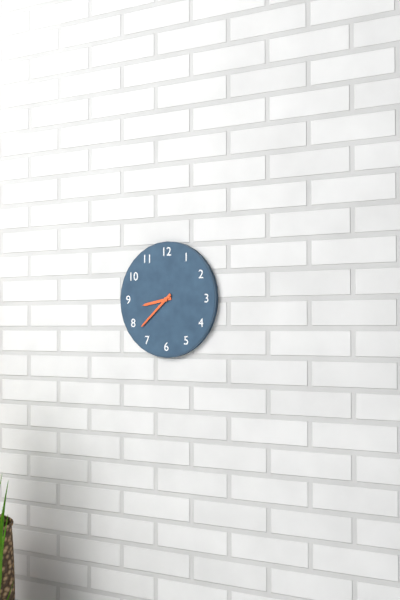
h=8 m=38
